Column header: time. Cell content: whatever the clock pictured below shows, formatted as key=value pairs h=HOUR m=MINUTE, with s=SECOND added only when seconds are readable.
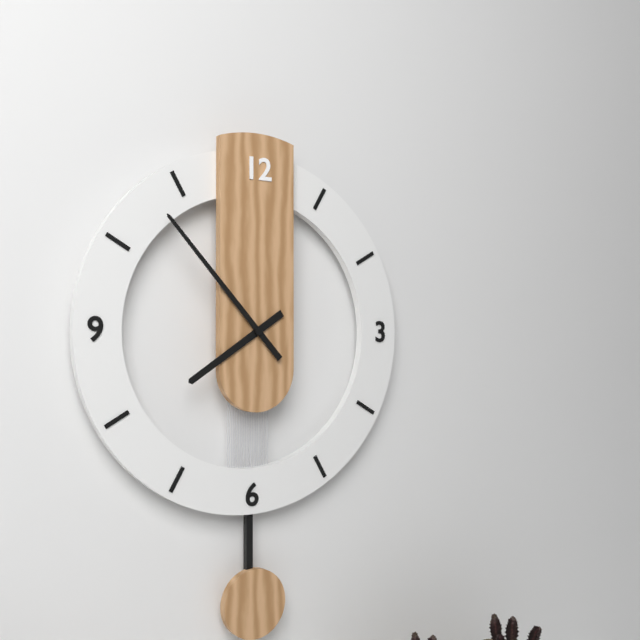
h=7 m=53
